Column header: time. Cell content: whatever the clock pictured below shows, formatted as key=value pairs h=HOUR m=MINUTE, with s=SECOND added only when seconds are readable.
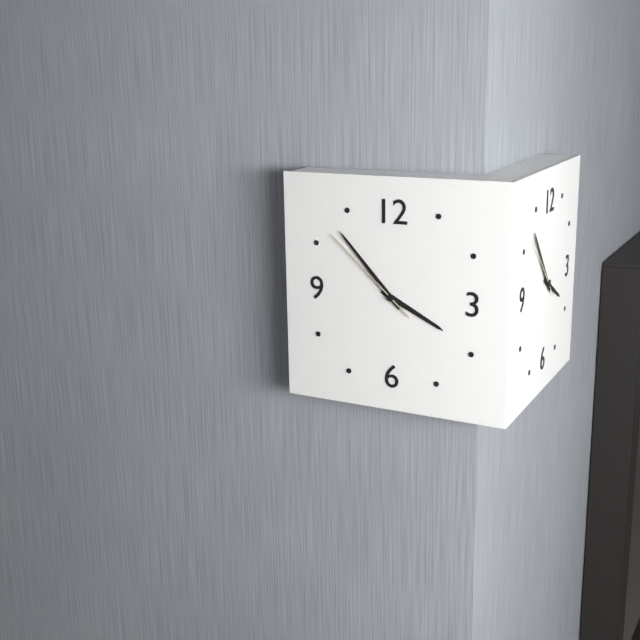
h=3 m=53 s=52
